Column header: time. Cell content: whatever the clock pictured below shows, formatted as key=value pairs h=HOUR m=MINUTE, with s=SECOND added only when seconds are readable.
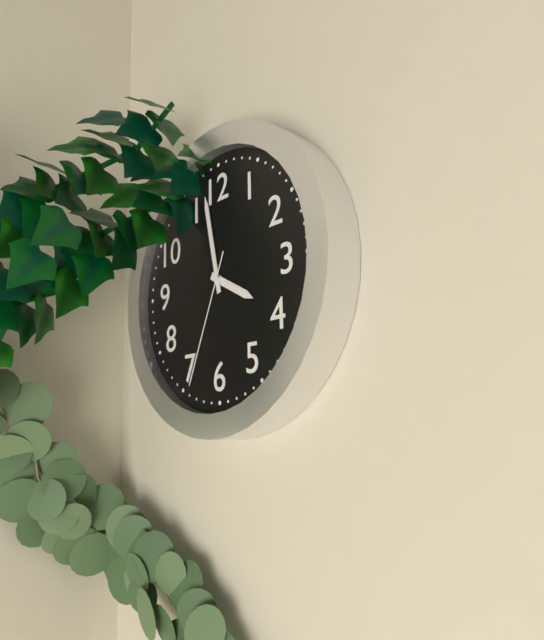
h=3 m=58 s=34
